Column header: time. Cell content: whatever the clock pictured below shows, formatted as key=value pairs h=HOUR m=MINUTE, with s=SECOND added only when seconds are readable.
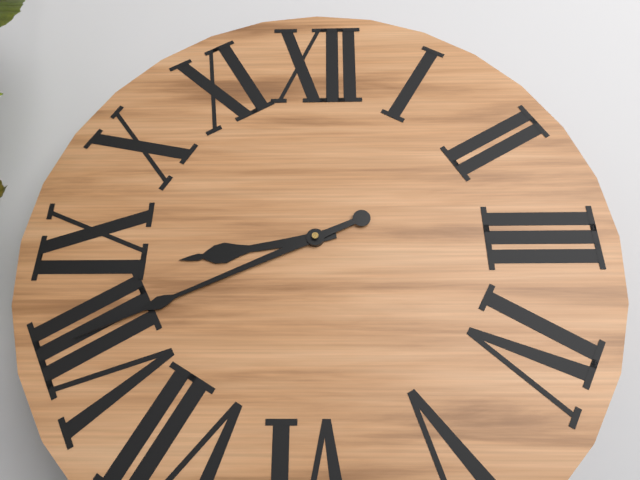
h=8 m=41
